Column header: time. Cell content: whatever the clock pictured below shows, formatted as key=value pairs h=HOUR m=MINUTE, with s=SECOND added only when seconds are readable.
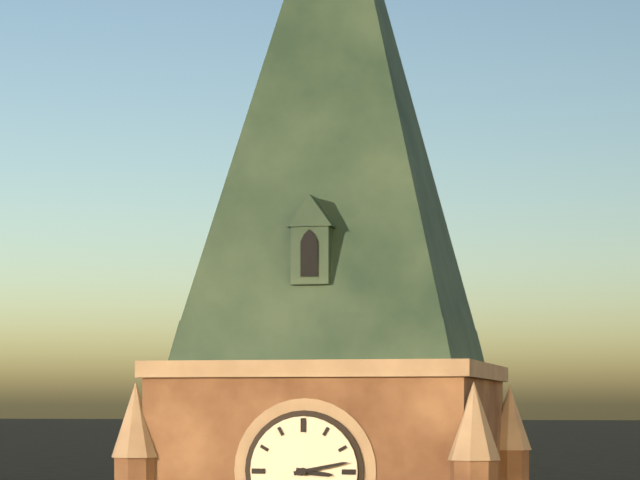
h=3 m=13
